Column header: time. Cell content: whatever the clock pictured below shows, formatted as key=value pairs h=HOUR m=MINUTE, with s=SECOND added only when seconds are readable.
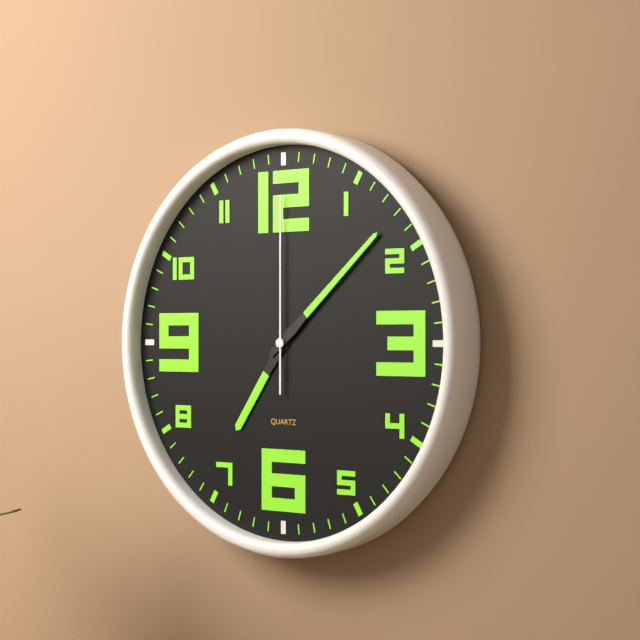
h=7 m=8 s=0
